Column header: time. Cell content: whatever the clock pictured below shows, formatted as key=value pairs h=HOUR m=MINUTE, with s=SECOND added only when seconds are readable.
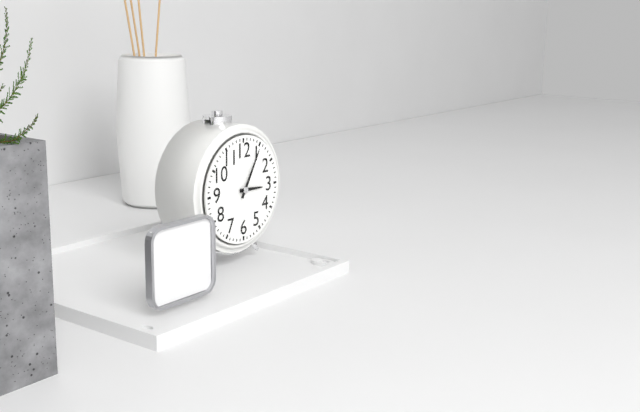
h=3 m=5
